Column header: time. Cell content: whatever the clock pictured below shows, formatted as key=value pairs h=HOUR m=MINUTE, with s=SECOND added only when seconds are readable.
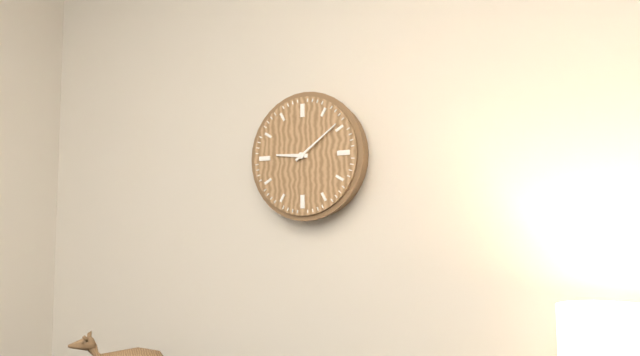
h=9 m=9
